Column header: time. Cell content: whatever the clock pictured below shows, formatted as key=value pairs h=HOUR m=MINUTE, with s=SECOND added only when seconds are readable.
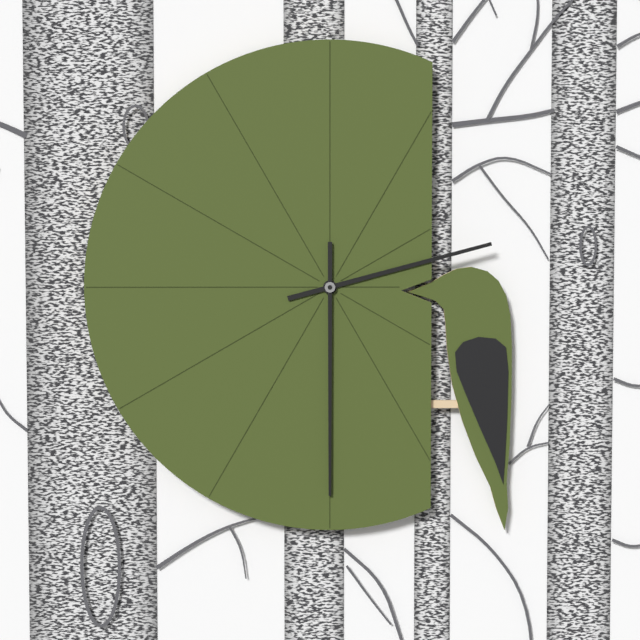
h=2 m=30
